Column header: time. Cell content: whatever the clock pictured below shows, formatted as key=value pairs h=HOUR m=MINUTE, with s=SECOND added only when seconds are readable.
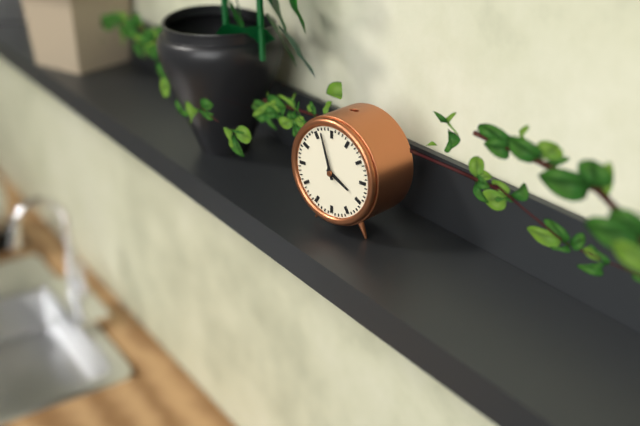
h=3 m=57
